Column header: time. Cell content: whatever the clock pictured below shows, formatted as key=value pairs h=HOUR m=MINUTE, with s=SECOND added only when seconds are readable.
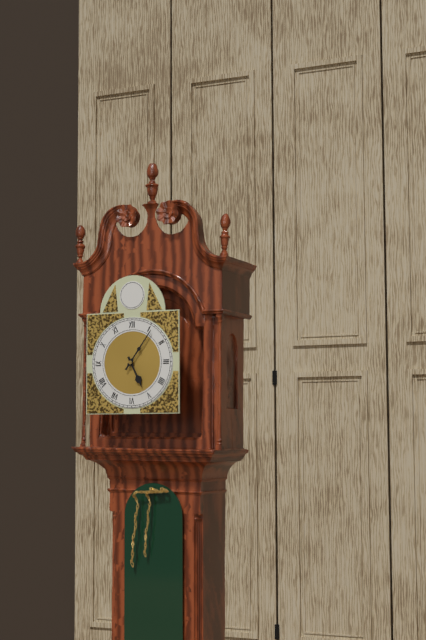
h=5 m=6
